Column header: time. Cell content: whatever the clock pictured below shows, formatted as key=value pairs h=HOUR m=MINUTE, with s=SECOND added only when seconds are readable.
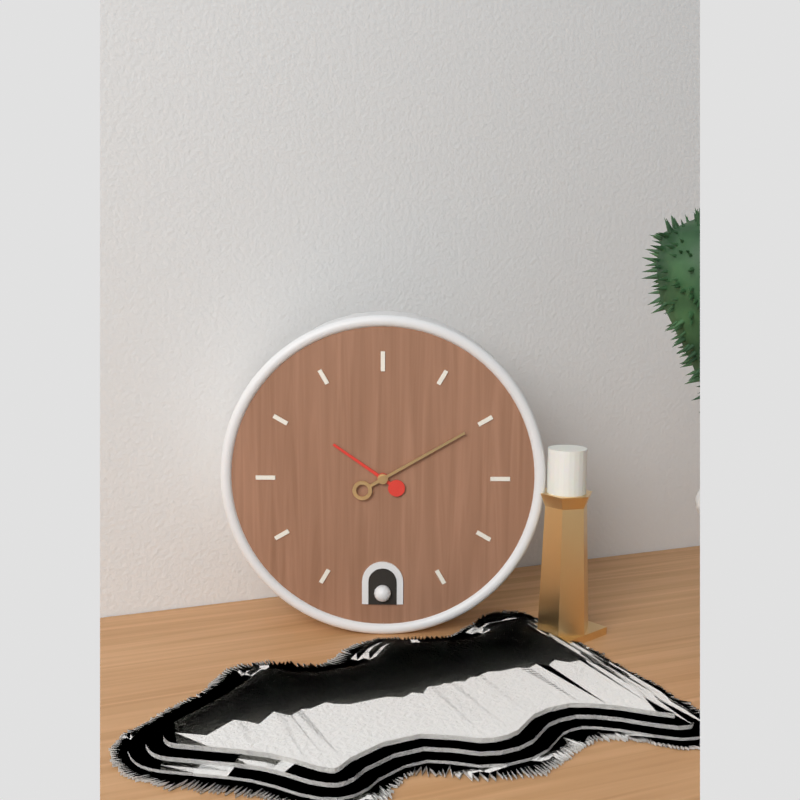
h=10 m=10
